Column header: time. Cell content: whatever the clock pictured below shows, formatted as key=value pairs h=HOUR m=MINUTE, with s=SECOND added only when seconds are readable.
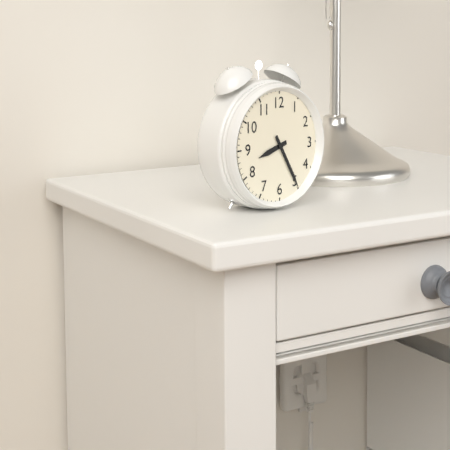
h=8 m=25
